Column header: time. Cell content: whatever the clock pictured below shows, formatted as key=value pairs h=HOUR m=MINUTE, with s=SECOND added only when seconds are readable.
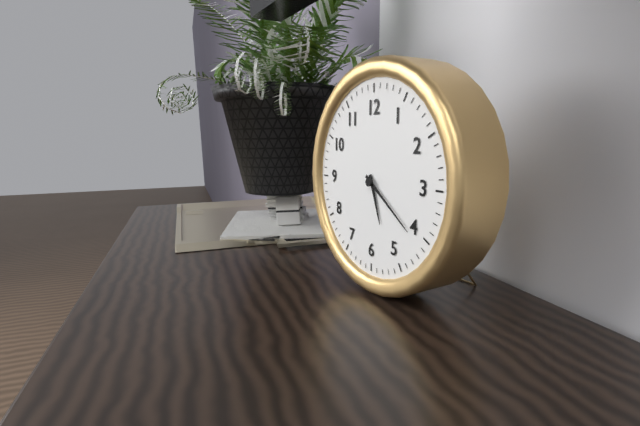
h=5 m=21
